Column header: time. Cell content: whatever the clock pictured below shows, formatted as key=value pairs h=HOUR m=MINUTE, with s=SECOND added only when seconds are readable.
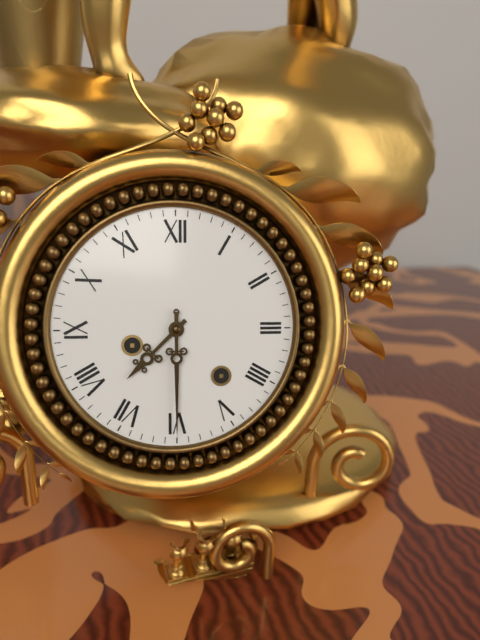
h=7 m=30
